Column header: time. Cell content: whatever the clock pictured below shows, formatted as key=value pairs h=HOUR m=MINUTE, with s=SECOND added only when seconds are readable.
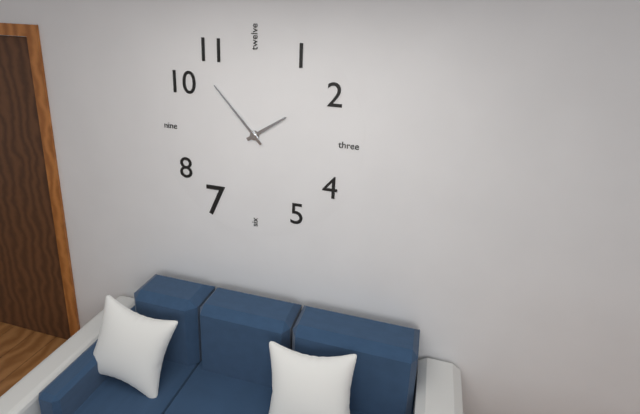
h=1 m=53
